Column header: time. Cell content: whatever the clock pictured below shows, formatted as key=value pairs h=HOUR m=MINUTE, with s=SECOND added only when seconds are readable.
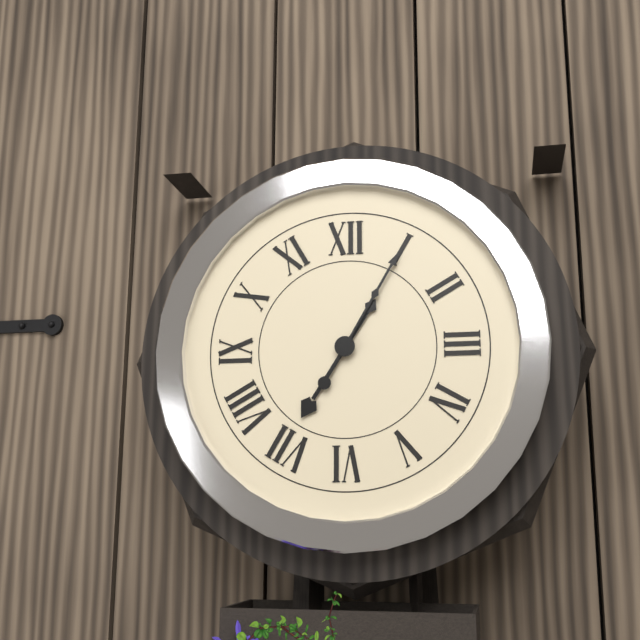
h=7 m=5
